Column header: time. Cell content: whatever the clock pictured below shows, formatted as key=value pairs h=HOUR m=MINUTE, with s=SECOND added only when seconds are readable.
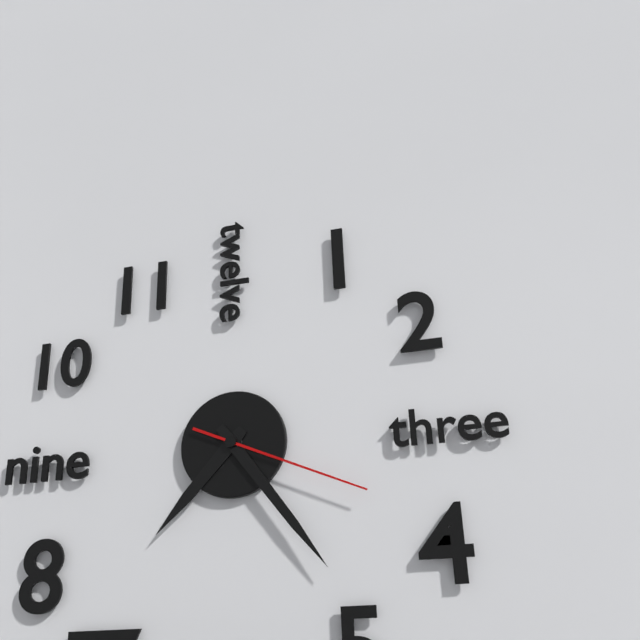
h=7 m=24 s=19
